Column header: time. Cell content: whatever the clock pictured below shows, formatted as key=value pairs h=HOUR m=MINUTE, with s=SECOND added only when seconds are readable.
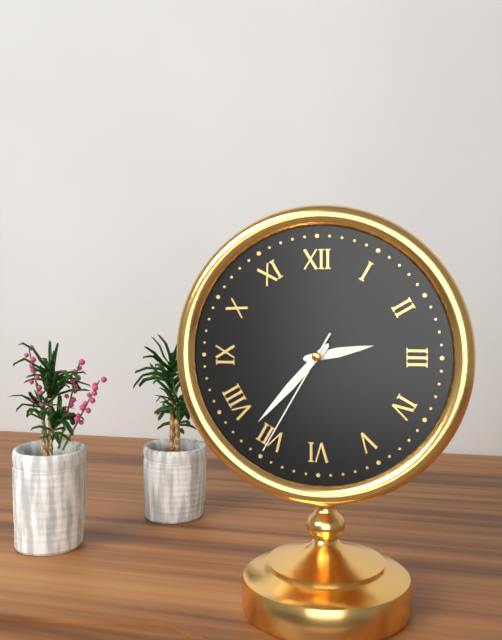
h=2 m=37 s=35
